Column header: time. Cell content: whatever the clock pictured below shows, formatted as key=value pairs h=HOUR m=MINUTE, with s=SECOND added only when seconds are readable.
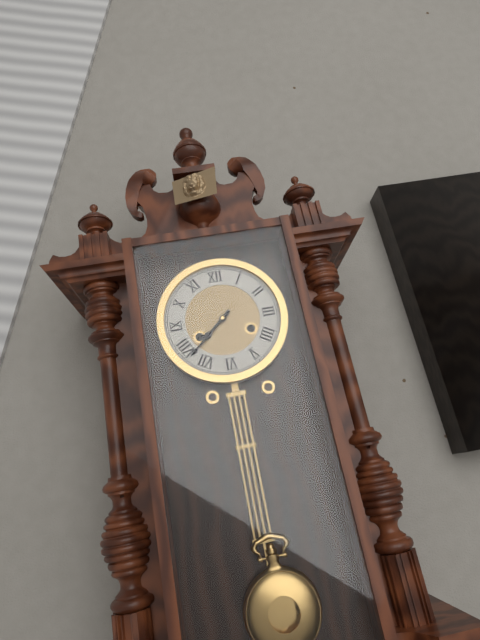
h=7 m=38
